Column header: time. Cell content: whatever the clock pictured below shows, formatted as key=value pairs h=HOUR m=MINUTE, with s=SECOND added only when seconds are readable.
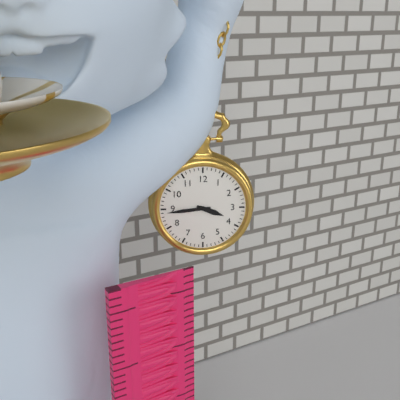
h=3 m=44
